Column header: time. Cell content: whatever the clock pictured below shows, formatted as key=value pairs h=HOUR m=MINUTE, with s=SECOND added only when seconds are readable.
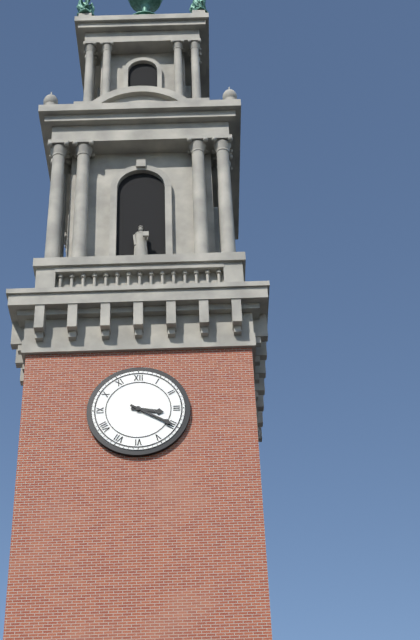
h=3 m=20
